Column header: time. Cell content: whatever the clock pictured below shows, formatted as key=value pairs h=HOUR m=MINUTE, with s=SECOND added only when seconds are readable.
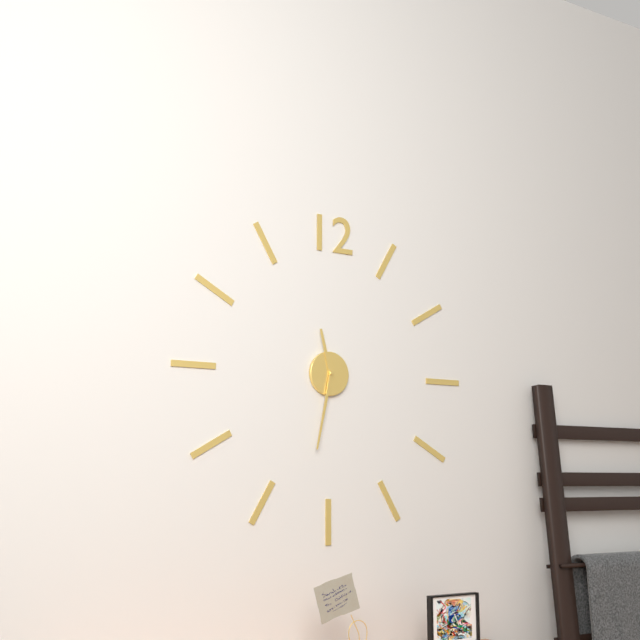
h=11 m=32
